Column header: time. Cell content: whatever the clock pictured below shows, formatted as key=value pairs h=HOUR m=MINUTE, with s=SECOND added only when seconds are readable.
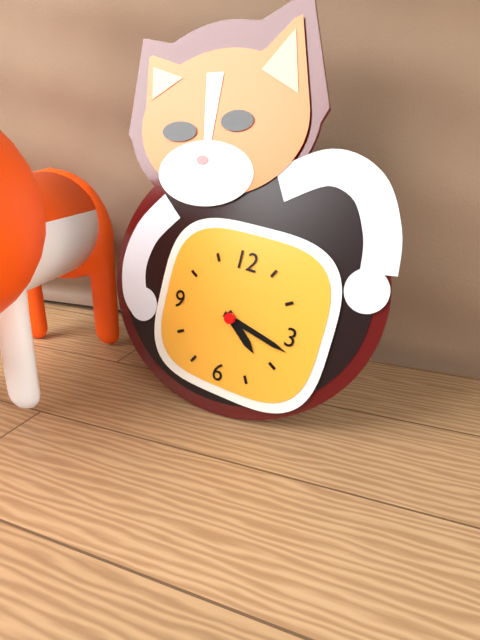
h=4 m=17
